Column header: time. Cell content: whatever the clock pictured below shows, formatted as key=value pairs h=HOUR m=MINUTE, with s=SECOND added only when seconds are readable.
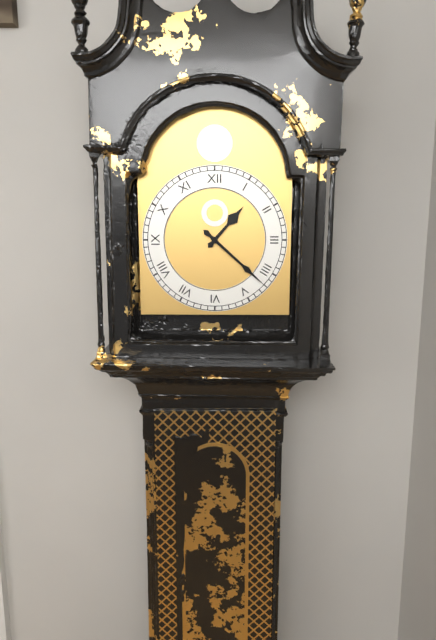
h=1 m=22
